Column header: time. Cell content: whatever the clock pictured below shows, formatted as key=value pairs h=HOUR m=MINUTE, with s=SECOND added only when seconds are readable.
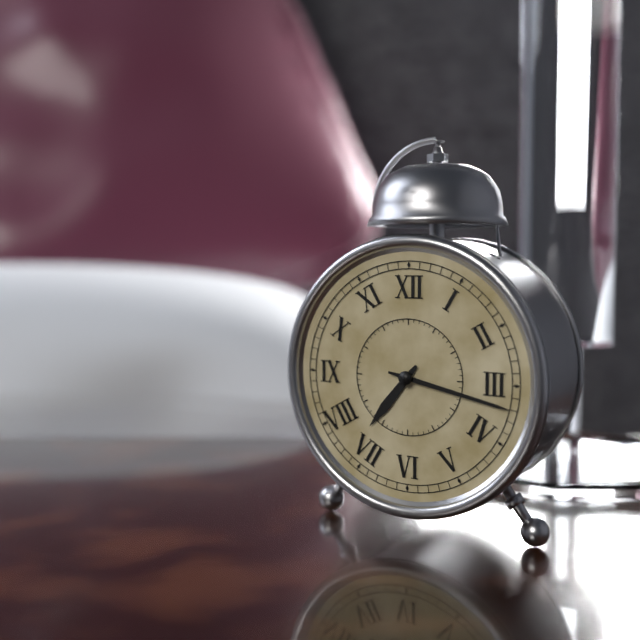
h=7 m=17
